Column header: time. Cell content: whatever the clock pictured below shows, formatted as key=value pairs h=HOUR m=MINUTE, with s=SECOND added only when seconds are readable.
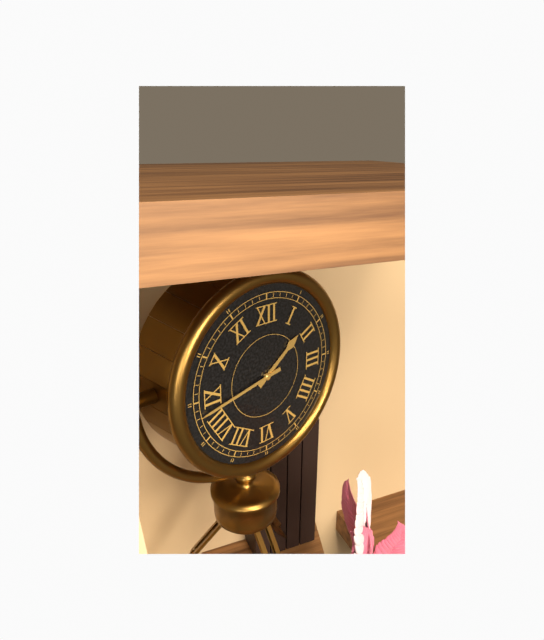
h=1 m=43
